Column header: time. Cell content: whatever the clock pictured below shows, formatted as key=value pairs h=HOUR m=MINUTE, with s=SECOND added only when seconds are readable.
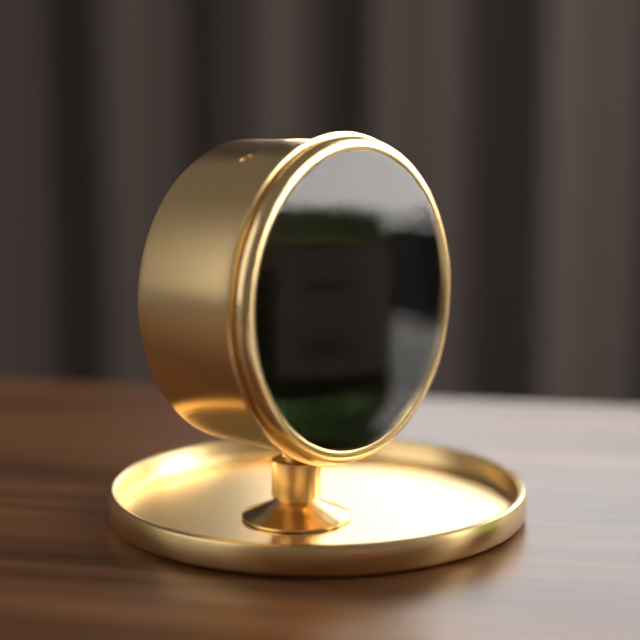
h=6 m=22 s=26
